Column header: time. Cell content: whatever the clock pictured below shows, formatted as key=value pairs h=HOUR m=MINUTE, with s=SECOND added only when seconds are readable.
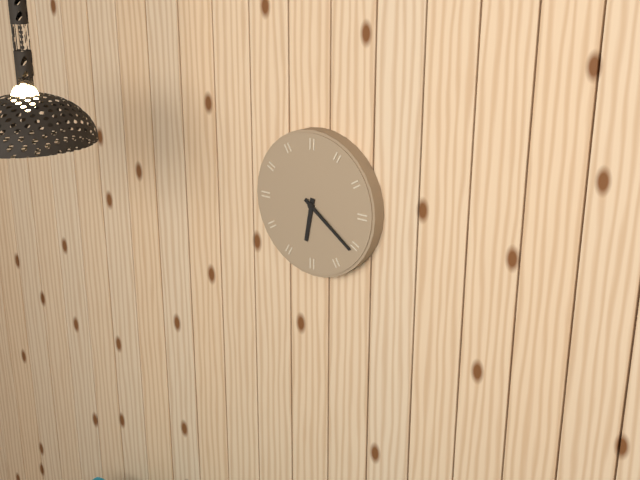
h=6 m=21
